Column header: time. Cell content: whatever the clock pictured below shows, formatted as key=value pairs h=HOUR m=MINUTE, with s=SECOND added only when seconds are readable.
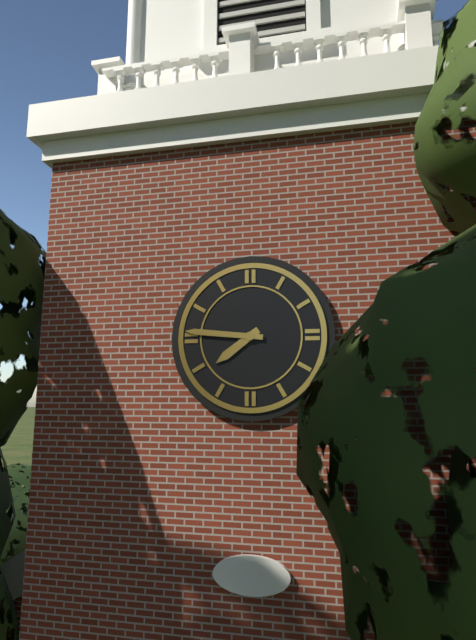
h=7 m=46
